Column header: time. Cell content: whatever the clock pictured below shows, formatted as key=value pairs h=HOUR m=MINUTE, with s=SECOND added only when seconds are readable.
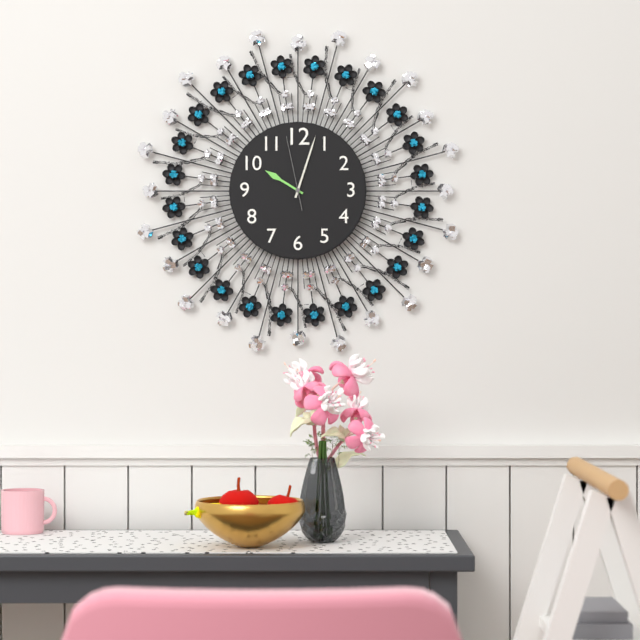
h=10 m=3 s=58
